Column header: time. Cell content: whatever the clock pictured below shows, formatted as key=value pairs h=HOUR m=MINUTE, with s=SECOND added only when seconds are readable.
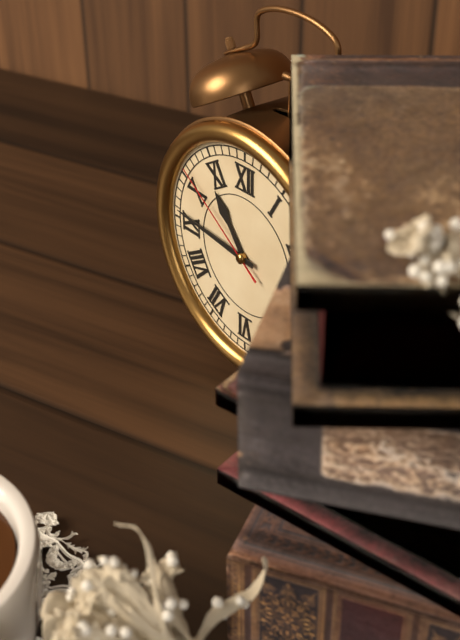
h=10 m=46 s=51
